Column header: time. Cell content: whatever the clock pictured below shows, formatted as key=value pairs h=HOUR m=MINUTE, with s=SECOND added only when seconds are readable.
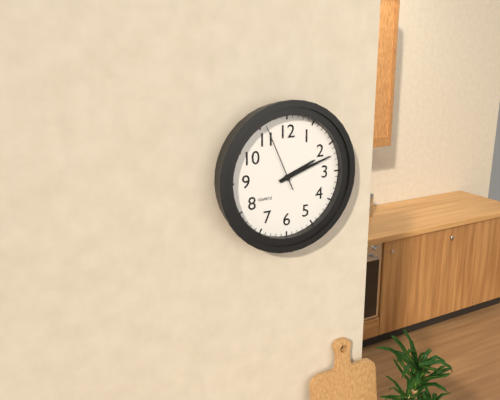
h=2 m=12 s=56
